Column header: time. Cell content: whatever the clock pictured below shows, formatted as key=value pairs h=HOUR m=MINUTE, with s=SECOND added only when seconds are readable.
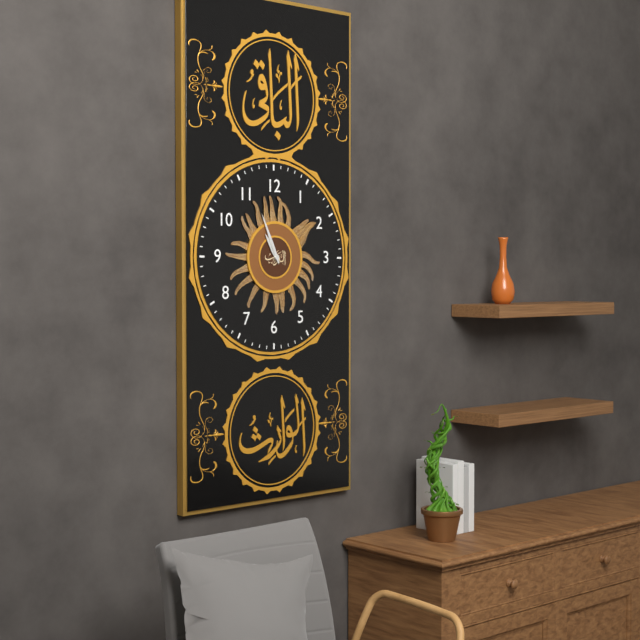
h=10 m=56
